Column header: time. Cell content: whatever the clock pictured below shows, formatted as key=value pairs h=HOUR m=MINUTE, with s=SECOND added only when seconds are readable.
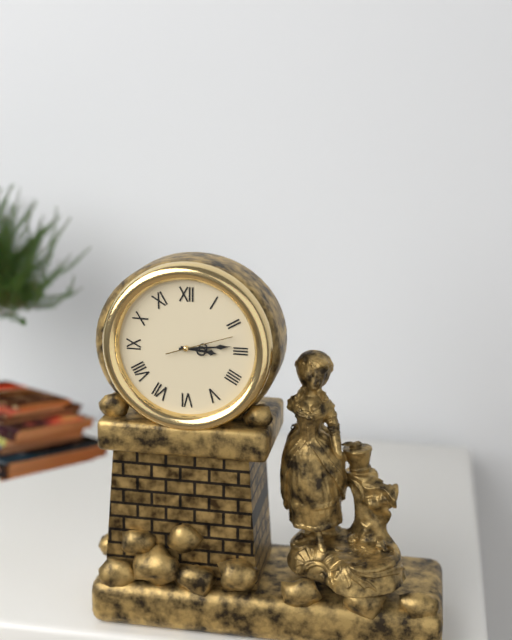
h=3 m=14 s=12
